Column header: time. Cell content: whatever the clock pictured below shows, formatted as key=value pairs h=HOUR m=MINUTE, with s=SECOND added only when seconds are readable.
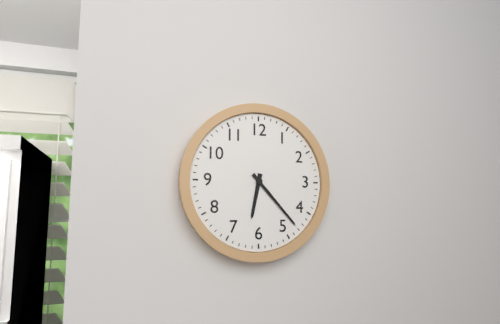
h=6 m=23
